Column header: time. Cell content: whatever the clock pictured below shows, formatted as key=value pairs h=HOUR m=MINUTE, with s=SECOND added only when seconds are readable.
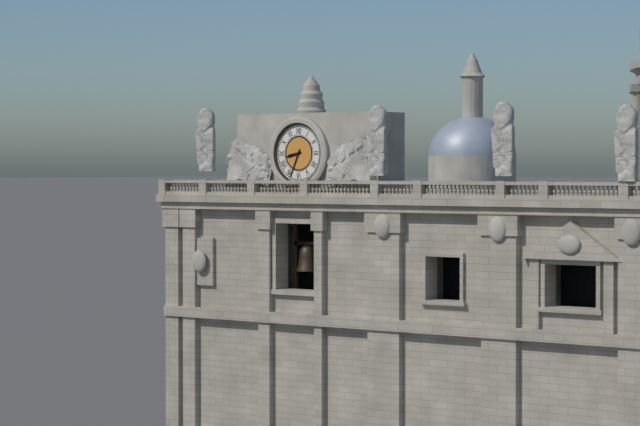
h=8 m=34
